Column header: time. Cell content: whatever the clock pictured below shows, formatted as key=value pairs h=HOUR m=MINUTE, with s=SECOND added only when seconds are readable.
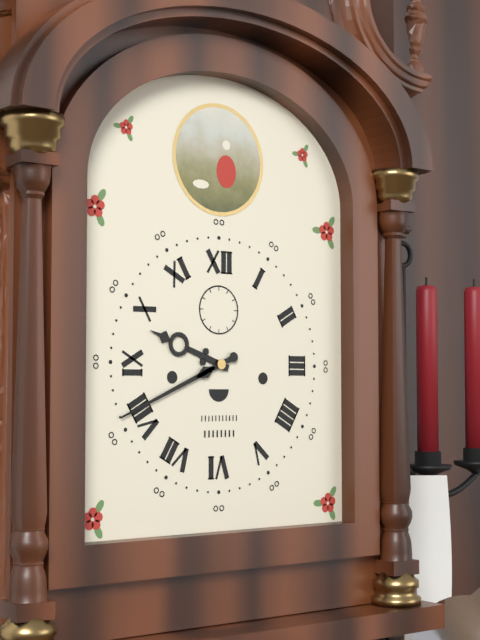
h=9 m=41
